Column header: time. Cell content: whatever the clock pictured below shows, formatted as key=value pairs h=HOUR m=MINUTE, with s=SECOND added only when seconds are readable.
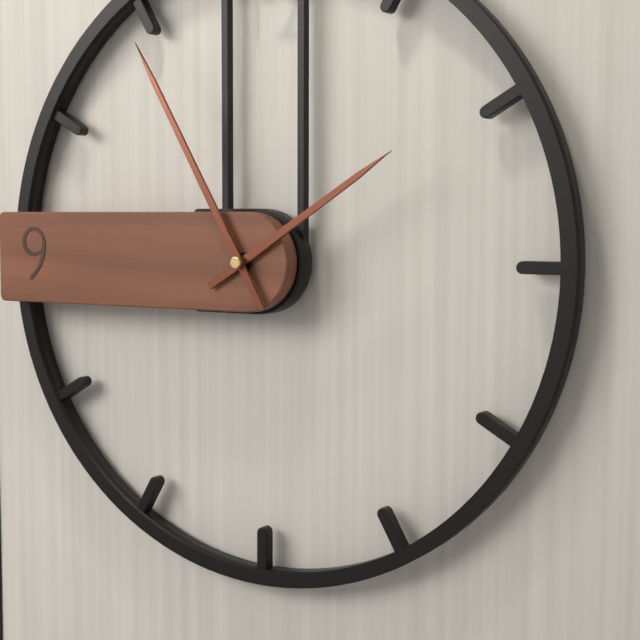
h=1 m=55
